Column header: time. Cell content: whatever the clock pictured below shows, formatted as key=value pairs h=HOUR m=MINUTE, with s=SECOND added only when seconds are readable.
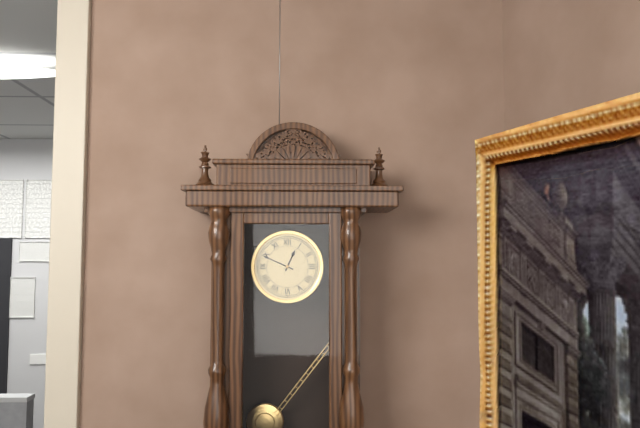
h=12 m=49
